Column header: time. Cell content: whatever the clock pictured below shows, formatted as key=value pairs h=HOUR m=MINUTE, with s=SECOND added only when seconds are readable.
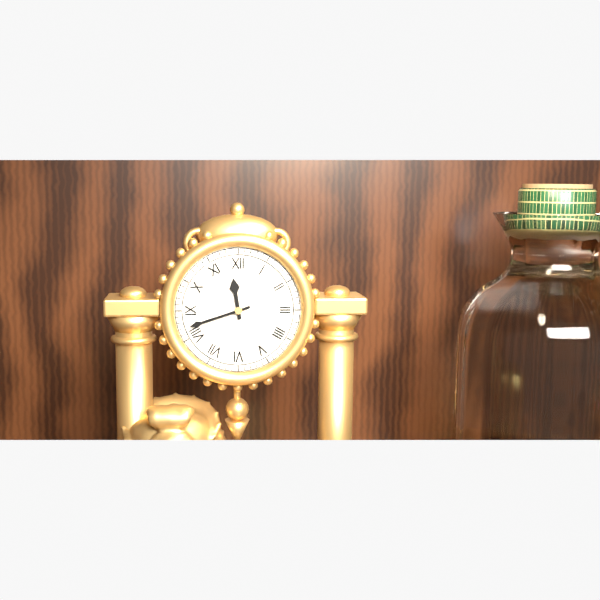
h=11 m=42
